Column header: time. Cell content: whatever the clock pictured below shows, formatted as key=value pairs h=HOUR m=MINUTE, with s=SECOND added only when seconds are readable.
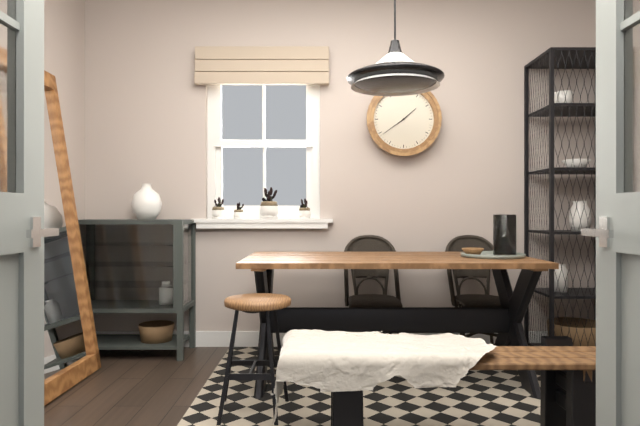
h=1 m=39
